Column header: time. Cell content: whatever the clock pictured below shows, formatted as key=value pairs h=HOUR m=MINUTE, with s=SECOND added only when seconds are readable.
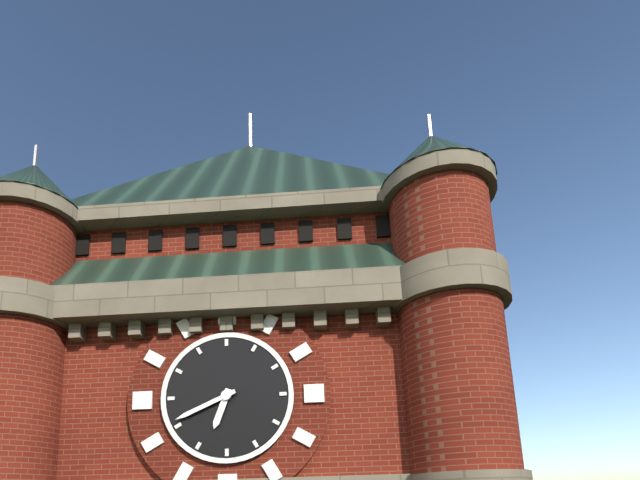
h=6 m=41
